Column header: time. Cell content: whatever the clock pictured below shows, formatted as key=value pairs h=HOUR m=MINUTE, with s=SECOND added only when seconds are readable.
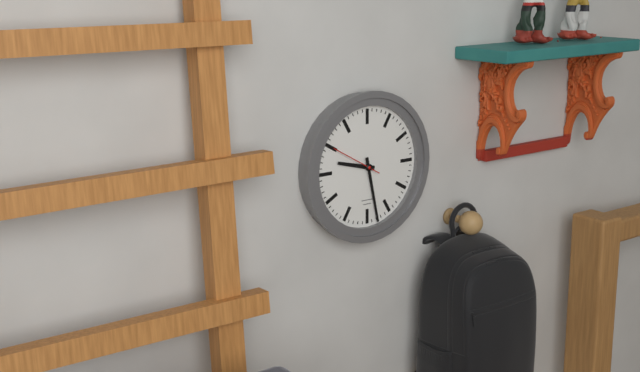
h=9 m=28
